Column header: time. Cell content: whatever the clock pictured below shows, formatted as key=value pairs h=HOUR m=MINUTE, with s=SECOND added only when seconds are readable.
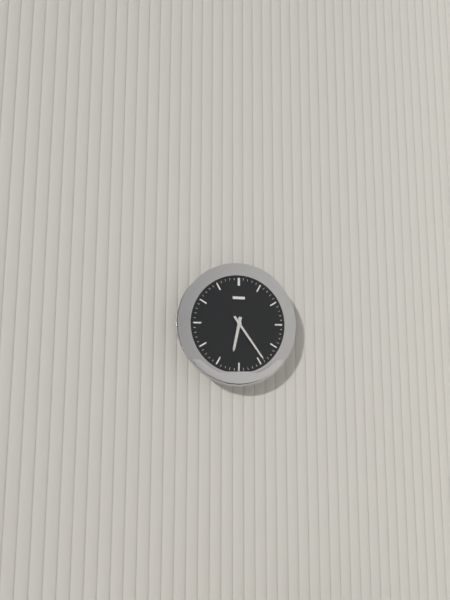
h=6 m=24
